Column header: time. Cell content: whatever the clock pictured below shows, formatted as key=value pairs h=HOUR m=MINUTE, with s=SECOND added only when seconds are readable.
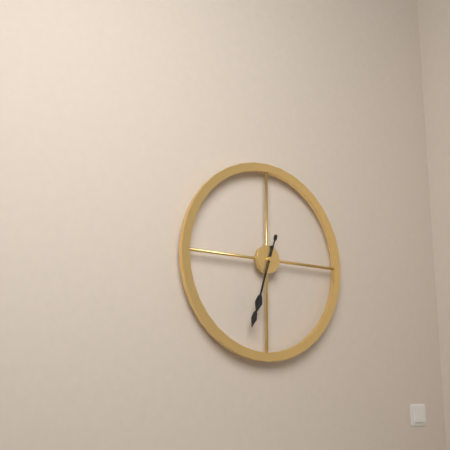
h=6 m=33
